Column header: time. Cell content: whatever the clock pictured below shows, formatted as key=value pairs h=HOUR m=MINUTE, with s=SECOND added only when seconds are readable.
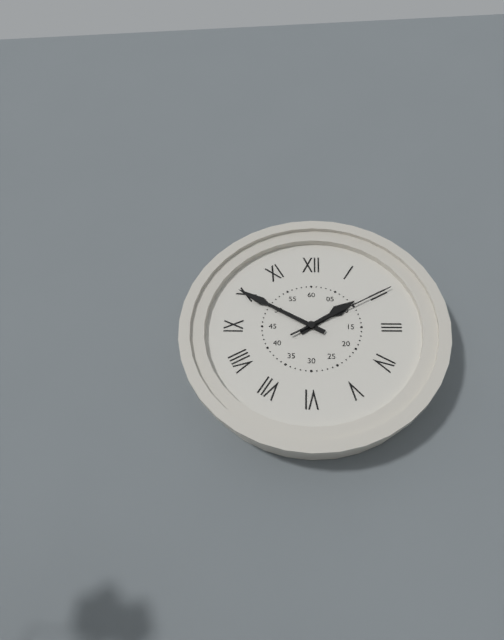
h=1 m=50 s=10
